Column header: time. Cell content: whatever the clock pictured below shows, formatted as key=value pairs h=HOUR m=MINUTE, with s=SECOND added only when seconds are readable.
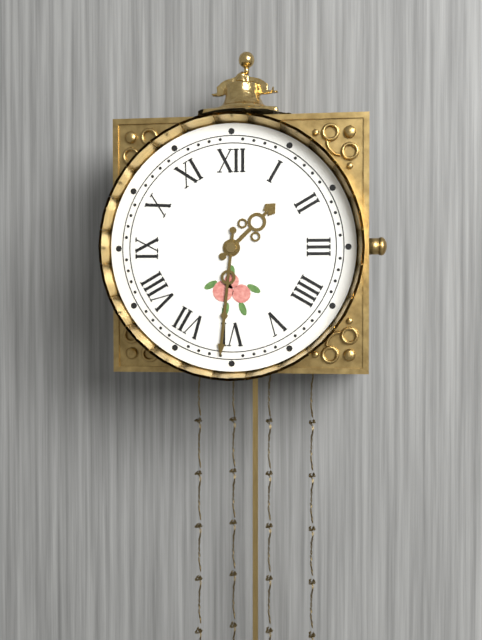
h=1 m=31
